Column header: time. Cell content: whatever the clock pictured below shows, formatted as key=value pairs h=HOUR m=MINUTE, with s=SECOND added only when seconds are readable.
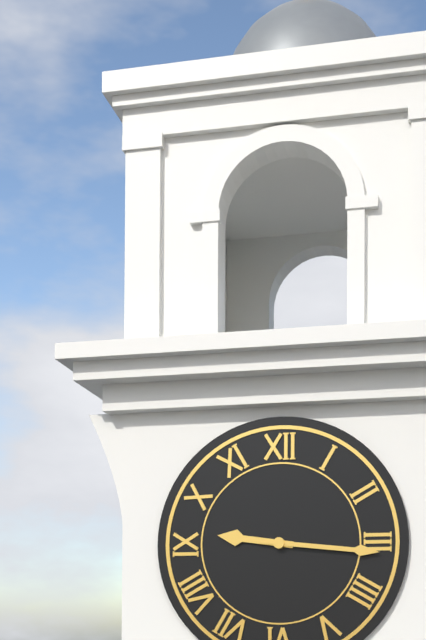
h=9 m=16
